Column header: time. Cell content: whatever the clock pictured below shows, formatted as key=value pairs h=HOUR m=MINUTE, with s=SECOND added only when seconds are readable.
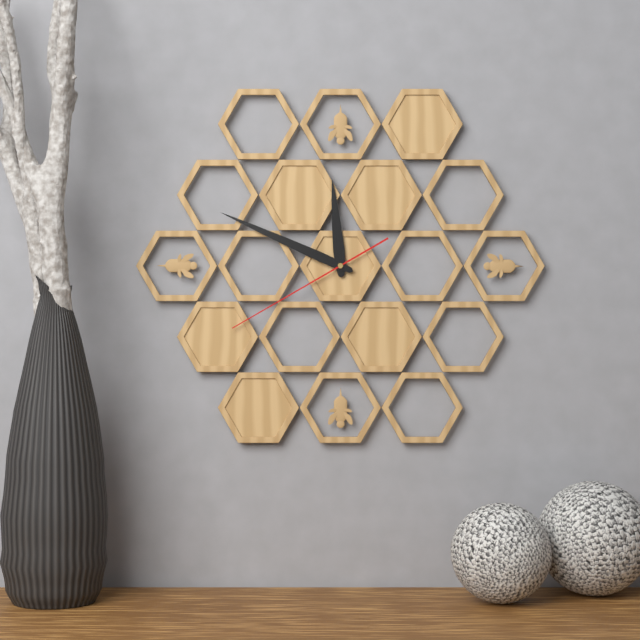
h=11 m=49 s=40
